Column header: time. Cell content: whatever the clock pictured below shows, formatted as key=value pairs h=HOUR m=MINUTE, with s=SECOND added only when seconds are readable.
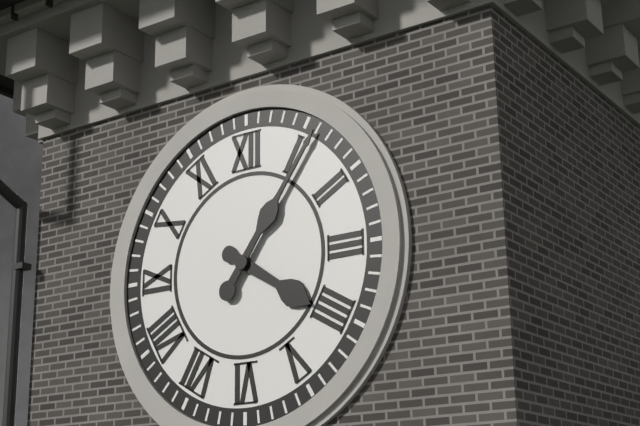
h=4 m=6
